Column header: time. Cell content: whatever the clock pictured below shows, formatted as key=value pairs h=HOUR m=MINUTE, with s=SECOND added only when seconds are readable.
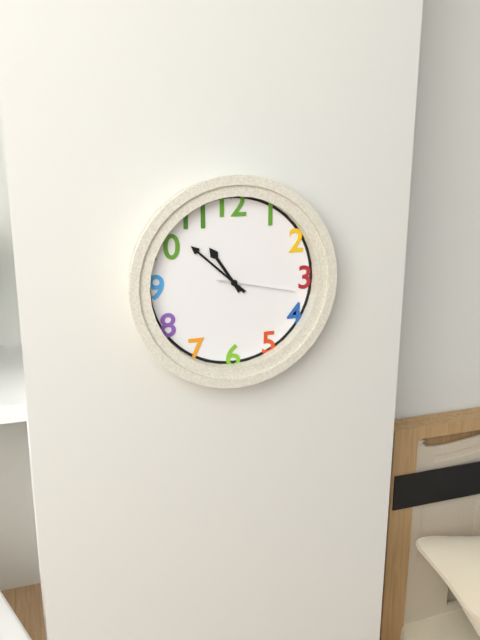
h=10 m=52 s=17
